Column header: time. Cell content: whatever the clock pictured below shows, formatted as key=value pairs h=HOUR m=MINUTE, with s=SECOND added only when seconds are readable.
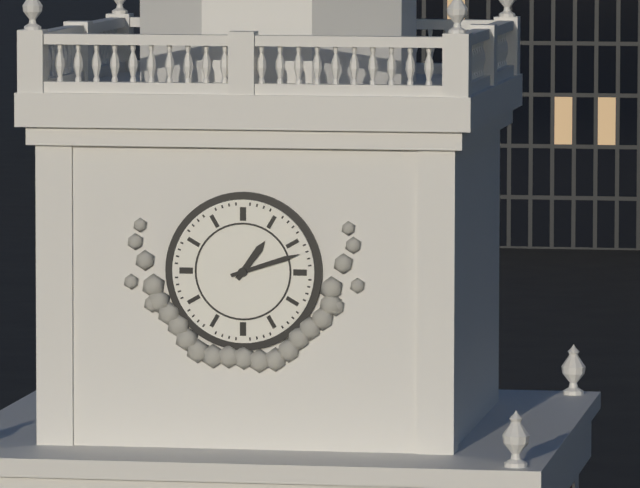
h=1 m=12
